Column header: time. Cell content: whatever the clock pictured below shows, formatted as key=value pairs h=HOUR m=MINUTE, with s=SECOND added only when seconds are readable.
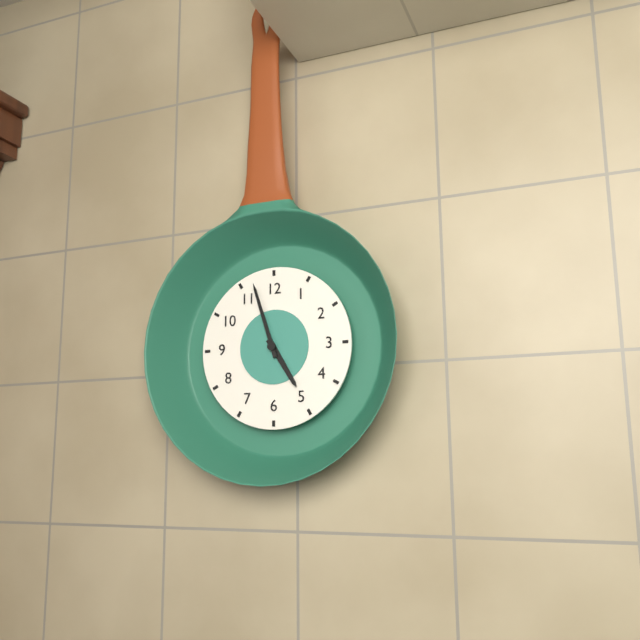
h=4 m=57
